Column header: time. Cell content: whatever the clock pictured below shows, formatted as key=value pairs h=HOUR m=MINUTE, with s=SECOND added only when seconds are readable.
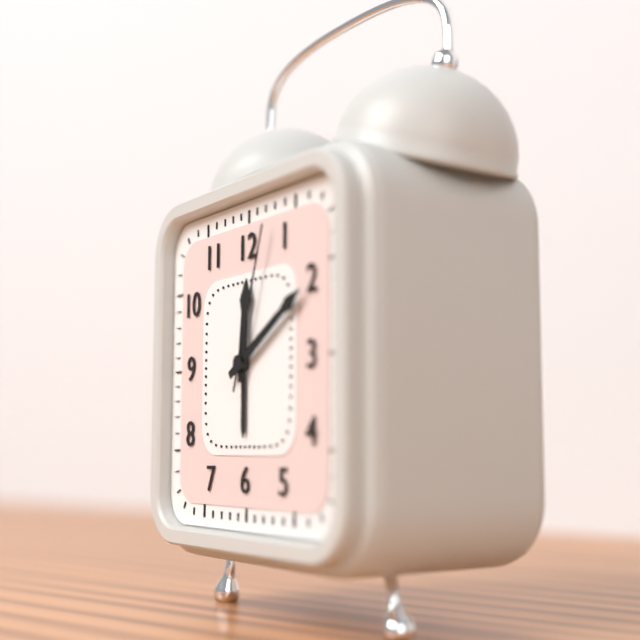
h=12 m=10 s=3
